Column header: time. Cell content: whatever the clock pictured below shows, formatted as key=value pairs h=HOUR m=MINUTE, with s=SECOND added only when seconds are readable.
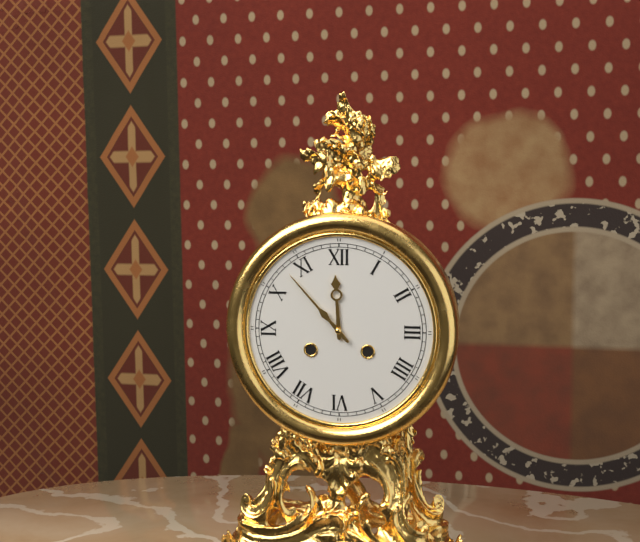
h=11 m=53
